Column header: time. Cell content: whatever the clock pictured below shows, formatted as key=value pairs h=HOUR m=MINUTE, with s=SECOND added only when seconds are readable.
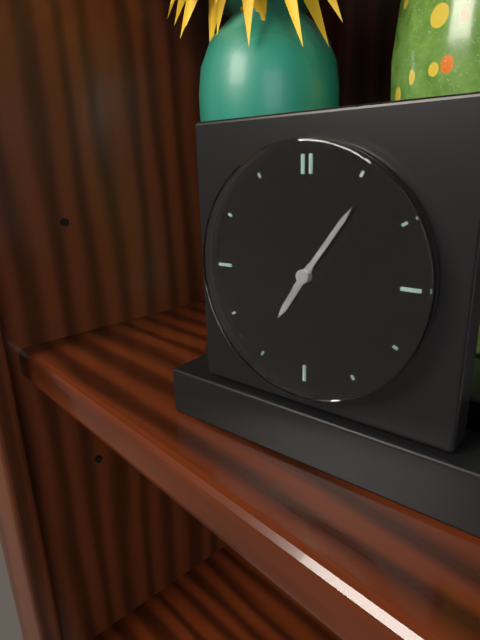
h=7 m=6
